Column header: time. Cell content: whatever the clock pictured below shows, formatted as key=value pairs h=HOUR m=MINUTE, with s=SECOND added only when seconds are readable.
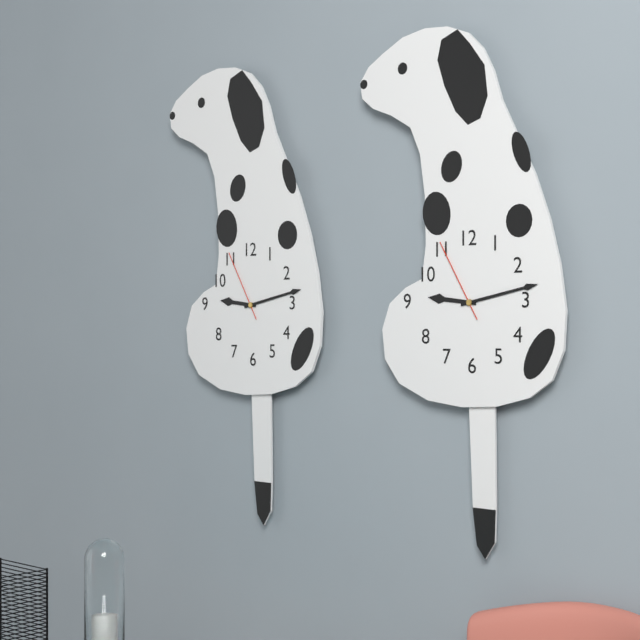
h=9 m=13 s=55
